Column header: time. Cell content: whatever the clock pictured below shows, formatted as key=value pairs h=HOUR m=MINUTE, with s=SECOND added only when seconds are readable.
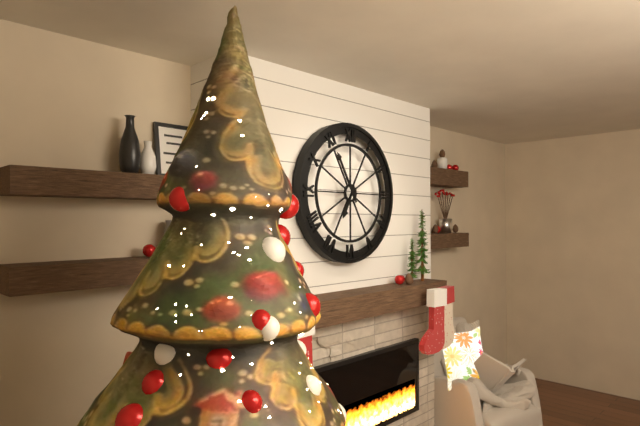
h=6 m=55
